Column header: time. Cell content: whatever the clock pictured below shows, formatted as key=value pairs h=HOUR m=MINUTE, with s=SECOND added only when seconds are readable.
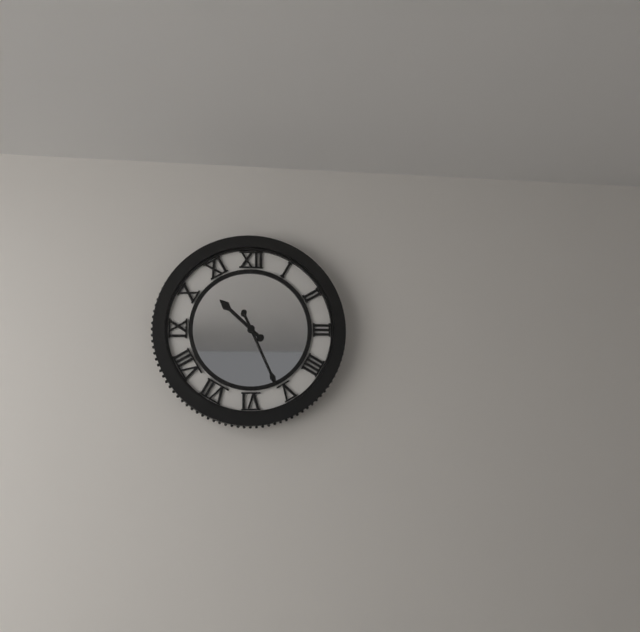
h=10 m=26
